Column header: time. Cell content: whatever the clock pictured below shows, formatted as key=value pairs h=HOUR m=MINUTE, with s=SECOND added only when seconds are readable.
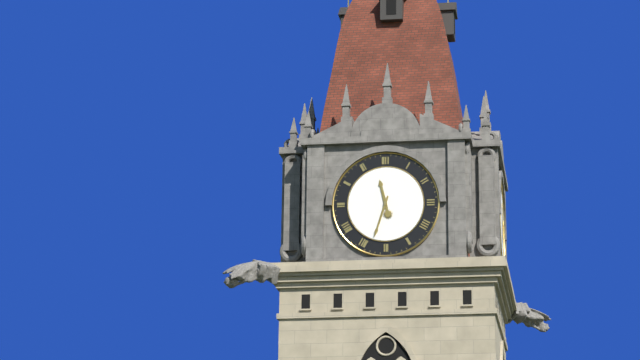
h=11 m=33
